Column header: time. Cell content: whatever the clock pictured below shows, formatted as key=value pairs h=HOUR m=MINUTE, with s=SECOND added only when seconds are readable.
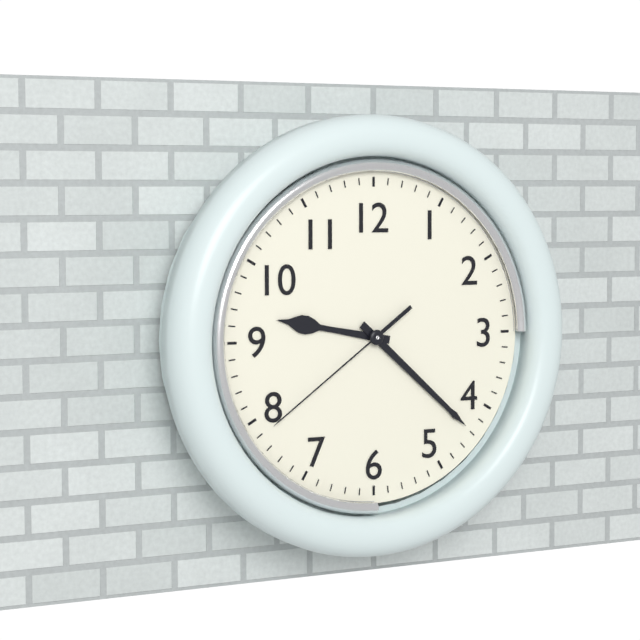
h=9 m=22 s=39
